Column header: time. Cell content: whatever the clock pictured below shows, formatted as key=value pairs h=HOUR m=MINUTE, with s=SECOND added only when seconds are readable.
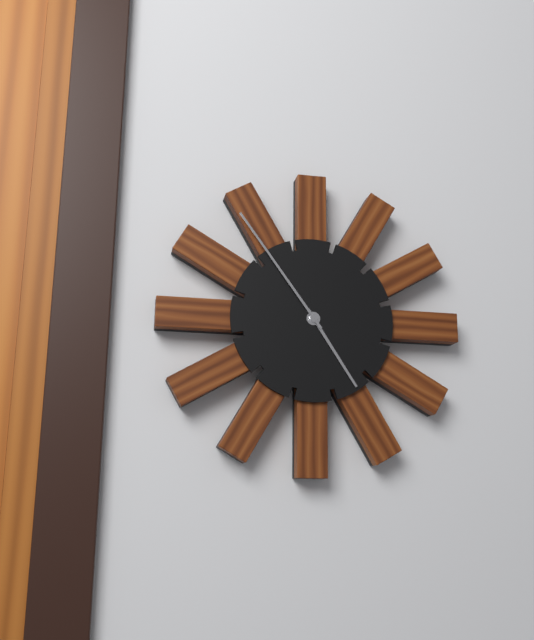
h=4 m=54
